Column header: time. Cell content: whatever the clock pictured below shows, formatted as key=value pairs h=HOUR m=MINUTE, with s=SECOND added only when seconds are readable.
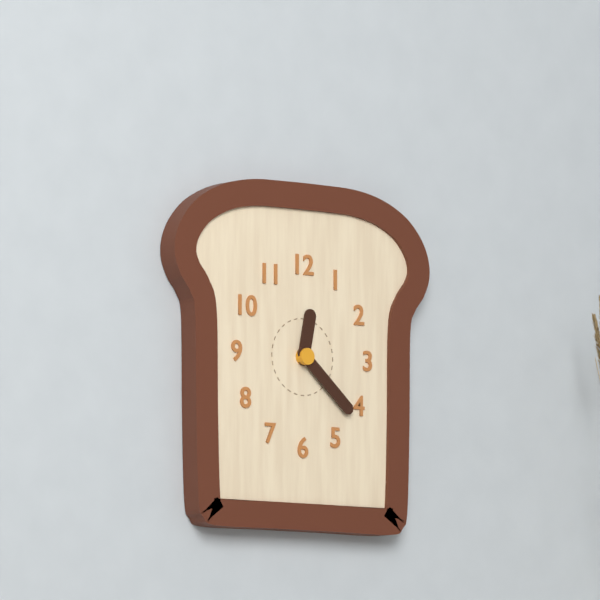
h=12 m=22
